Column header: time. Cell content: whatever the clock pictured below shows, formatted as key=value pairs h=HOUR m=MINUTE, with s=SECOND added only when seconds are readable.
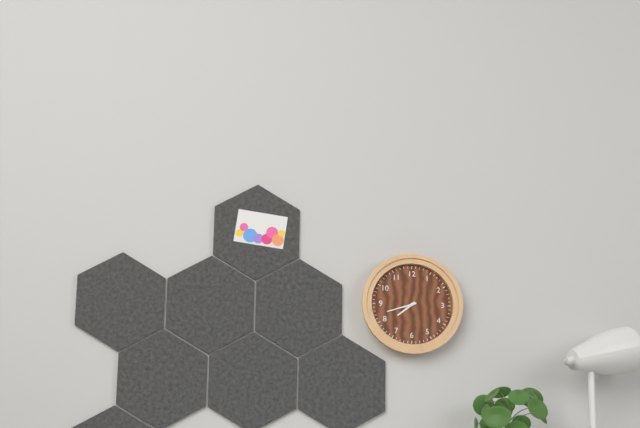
h=7 m=42
